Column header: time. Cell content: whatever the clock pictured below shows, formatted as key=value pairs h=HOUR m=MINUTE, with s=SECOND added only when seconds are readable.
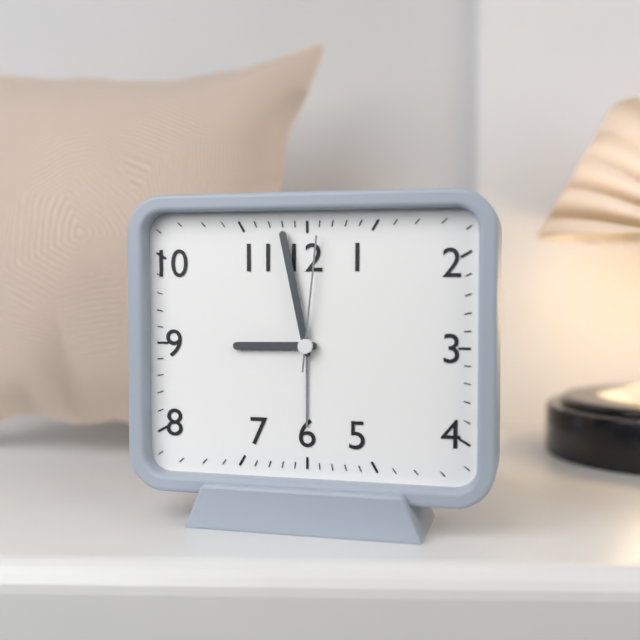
h=8 m=58 s=1
